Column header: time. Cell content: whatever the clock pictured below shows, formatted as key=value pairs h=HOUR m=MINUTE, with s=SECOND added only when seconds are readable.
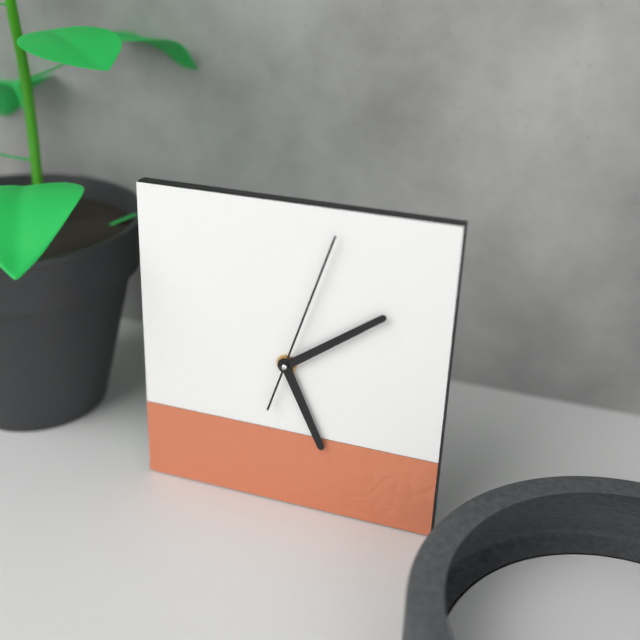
h=5 m=9 s=3
